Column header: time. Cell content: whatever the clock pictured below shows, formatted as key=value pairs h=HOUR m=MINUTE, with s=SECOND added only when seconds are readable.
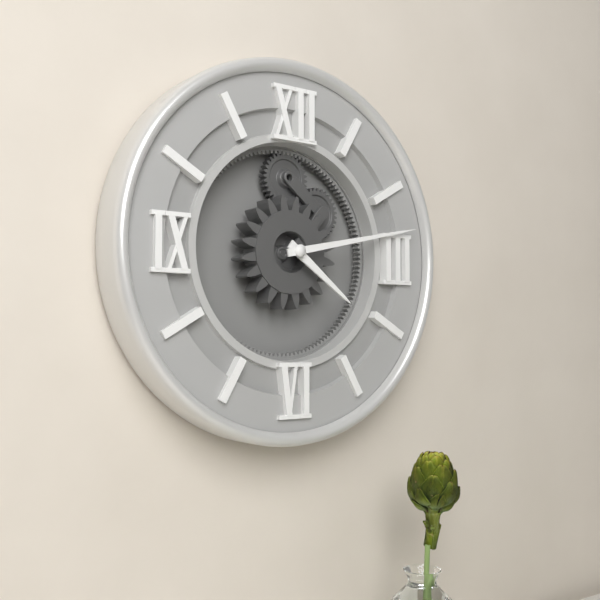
h=4 m=13
